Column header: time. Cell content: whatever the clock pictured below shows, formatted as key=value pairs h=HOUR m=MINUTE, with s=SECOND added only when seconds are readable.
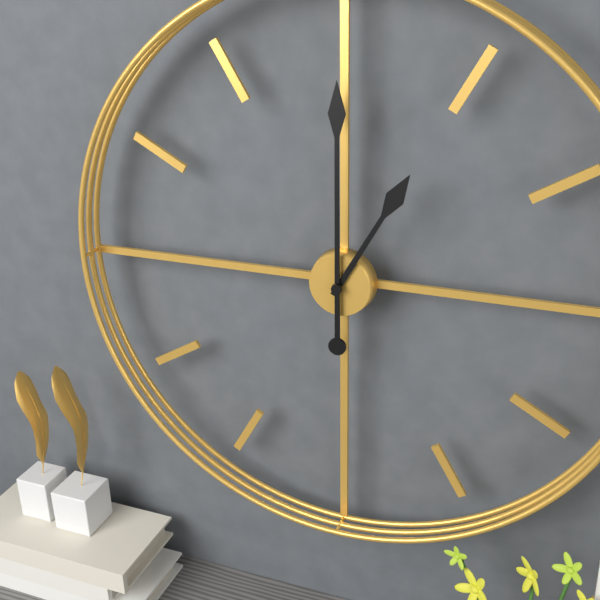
h=1 m=0
